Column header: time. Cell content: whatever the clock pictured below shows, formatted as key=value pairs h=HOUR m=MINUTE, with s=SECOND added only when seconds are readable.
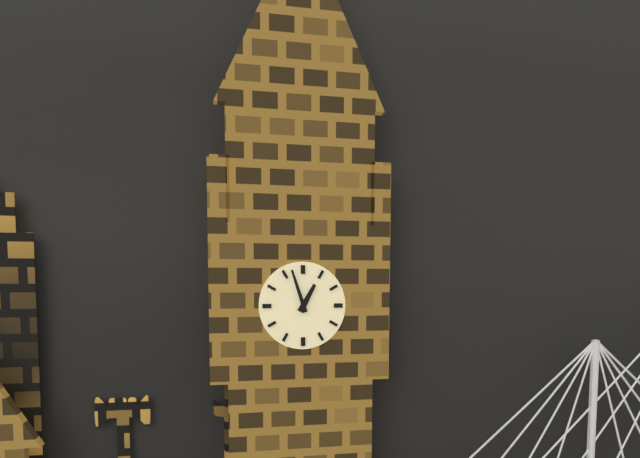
h=12 m=57
